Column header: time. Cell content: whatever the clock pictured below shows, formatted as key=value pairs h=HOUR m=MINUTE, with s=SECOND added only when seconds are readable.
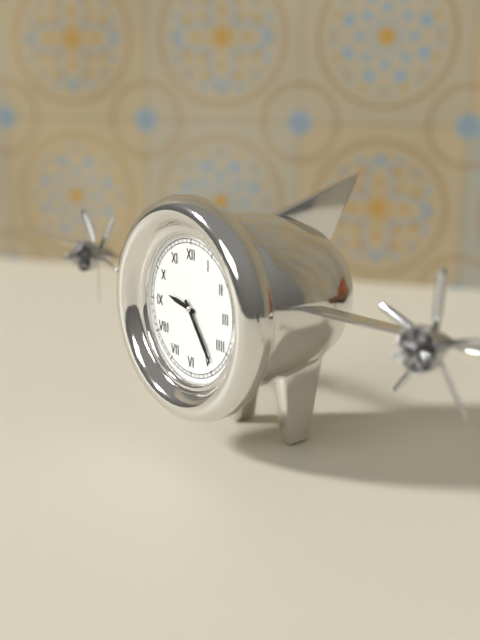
h=9 m=24
